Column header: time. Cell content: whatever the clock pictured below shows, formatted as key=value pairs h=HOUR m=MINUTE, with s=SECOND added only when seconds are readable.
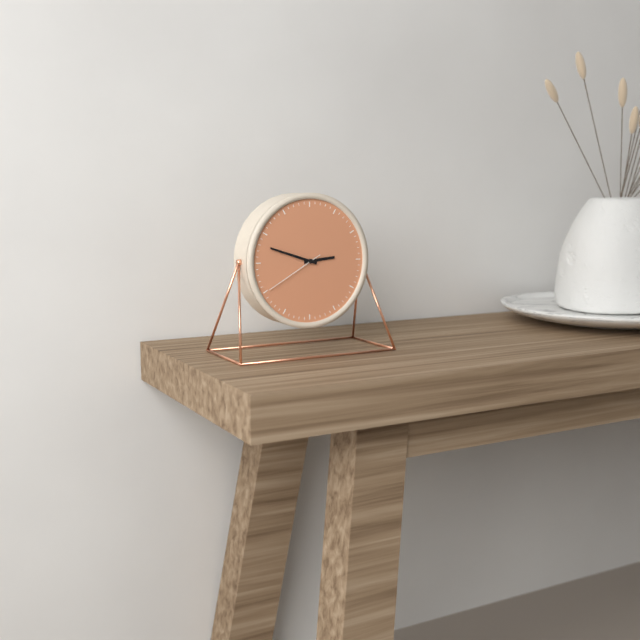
h=2 m=48 s=40
